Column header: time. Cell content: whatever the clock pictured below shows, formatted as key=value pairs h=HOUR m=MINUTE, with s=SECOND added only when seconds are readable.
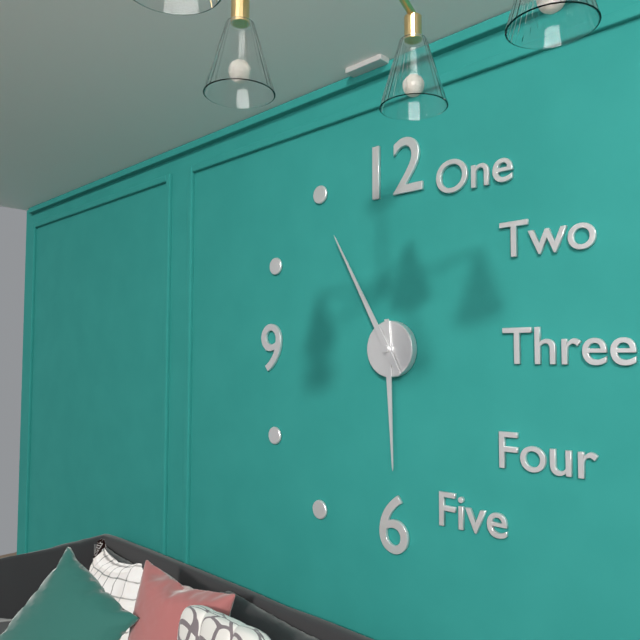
h=5 m=55
